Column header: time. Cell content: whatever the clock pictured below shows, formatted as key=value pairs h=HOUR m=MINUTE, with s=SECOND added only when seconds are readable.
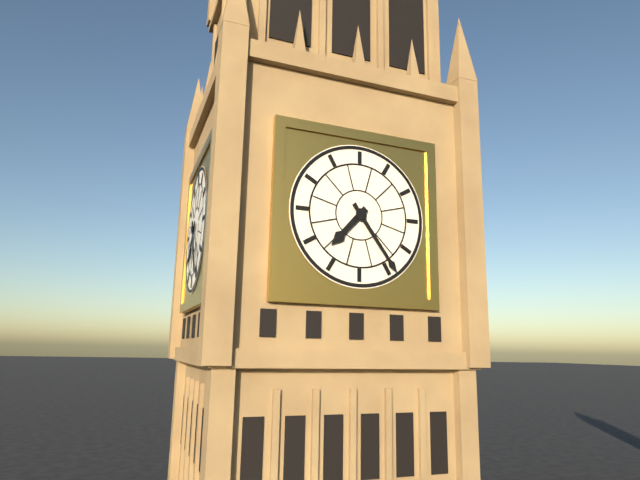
h=7 m=24
